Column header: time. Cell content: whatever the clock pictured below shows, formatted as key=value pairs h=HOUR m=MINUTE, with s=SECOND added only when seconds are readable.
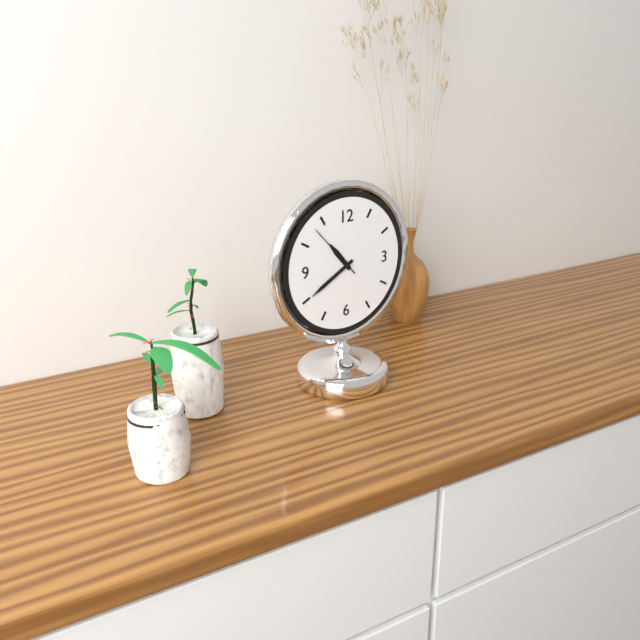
h=10 m=40 s=53
